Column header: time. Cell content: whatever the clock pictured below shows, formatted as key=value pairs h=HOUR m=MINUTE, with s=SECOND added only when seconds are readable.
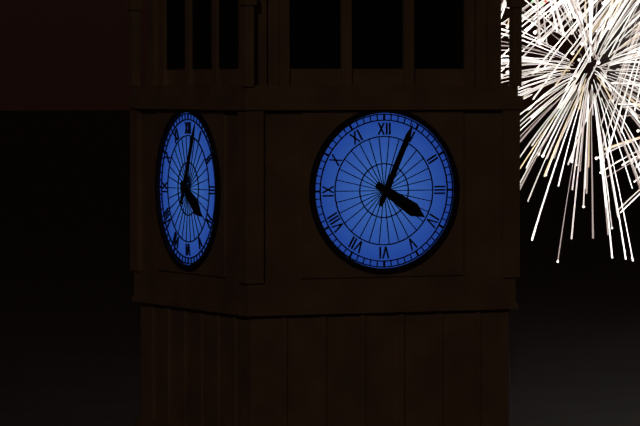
h=4 m=4
